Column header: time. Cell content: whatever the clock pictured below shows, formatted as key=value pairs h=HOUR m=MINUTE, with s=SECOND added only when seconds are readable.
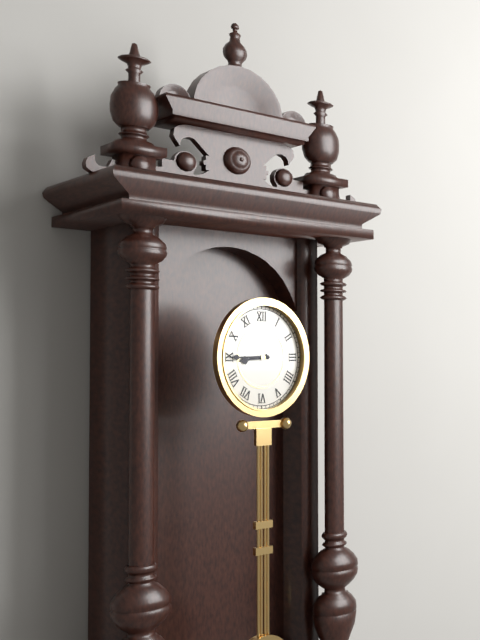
h=8 m=45
